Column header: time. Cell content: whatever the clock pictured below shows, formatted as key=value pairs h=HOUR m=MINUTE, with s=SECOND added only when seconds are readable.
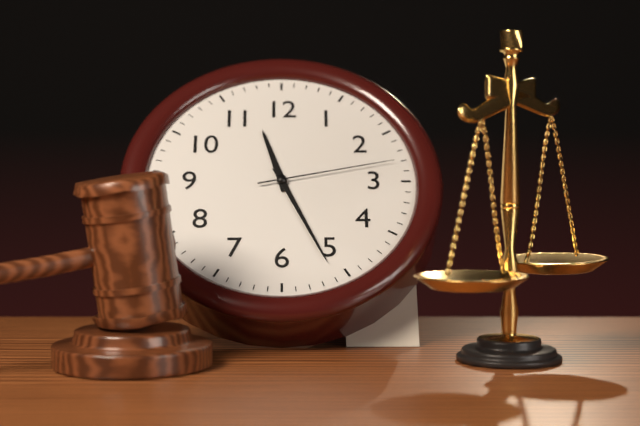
h=11 m=26 s=13
